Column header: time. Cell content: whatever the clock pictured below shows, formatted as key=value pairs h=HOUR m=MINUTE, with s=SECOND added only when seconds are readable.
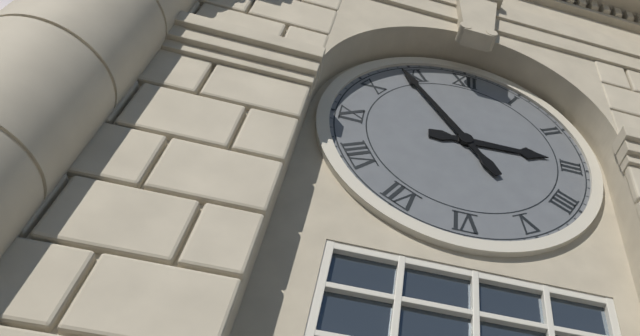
h=2 m=54
